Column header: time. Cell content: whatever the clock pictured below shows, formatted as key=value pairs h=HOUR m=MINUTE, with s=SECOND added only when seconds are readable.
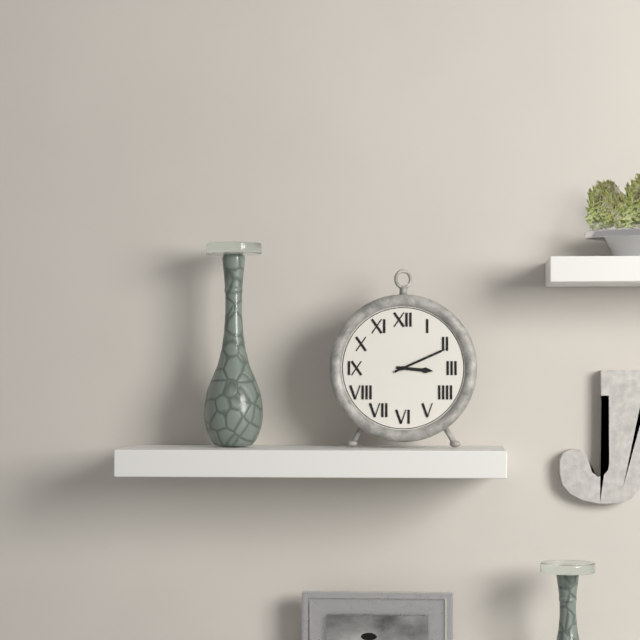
h=3 m=11
